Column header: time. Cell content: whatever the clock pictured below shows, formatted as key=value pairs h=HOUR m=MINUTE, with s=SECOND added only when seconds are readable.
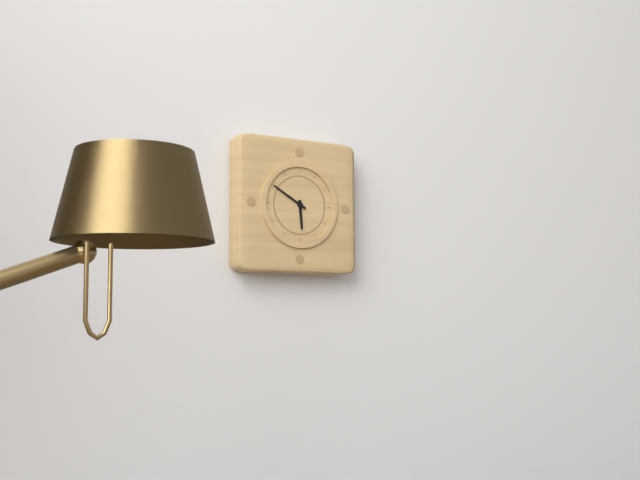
h=5 m=50
